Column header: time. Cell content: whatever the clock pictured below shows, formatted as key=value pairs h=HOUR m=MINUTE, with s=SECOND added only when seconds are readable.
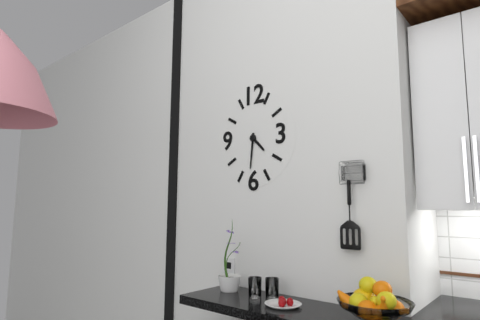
h=4 m=31
